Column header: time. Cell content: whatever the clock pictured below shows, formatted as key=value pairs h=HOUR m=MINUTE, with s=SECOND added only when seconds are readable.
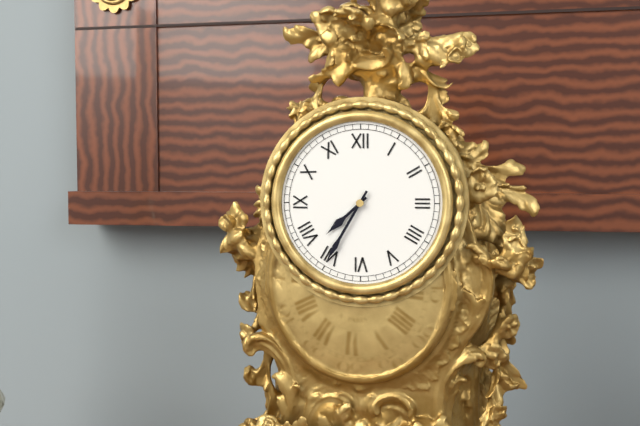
h=7 m=35
